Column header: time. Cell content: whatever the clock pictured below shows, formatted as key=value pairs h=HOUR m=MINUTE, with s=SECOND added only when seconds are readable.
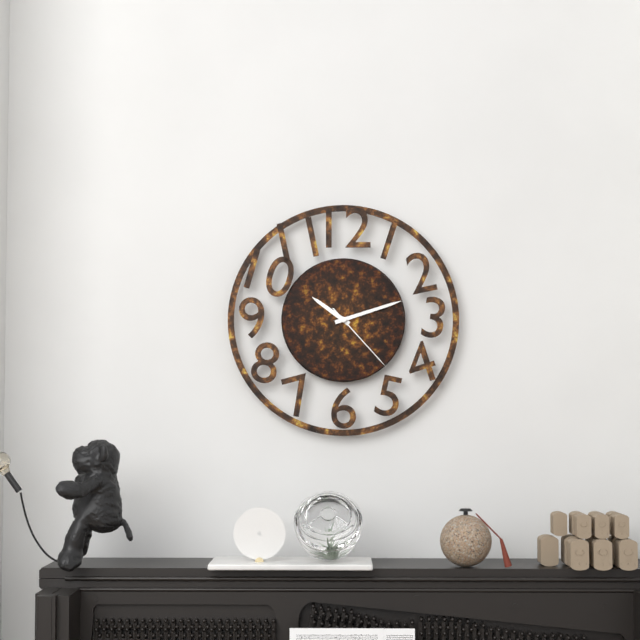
h=10 m=12 s=23
